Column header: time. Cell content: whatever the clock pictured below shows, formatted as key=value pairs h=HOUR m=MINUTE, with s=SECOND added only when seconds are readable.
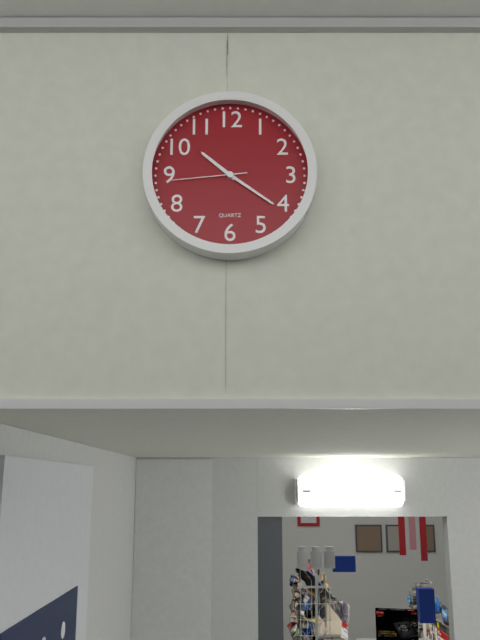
h=10 m=21 s=44
